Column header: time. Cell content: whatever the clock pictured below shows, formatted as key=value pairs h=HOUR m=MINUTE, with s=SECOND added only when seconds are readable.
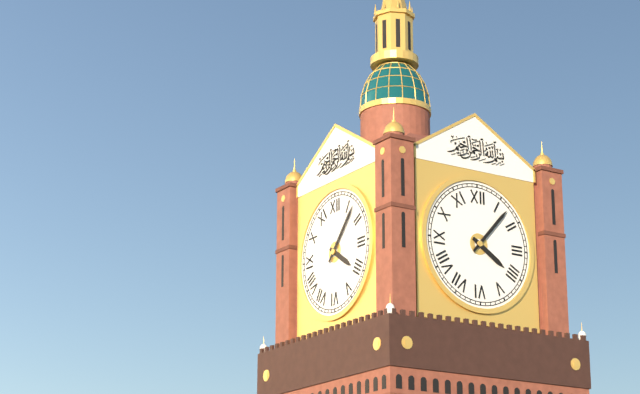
h=4 m=7
